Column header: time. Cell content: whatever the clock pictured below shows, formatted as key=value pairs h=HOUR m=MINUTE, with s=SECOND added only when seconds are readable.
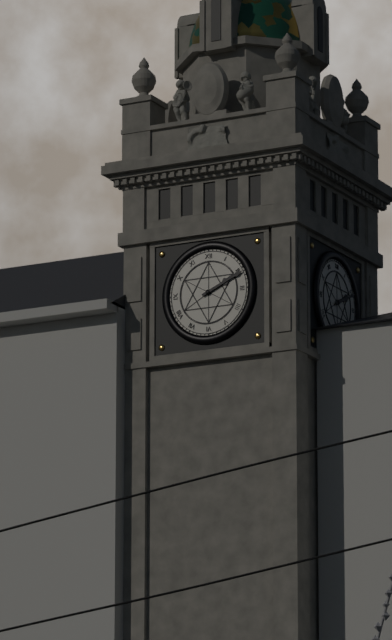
h=2 m=11
